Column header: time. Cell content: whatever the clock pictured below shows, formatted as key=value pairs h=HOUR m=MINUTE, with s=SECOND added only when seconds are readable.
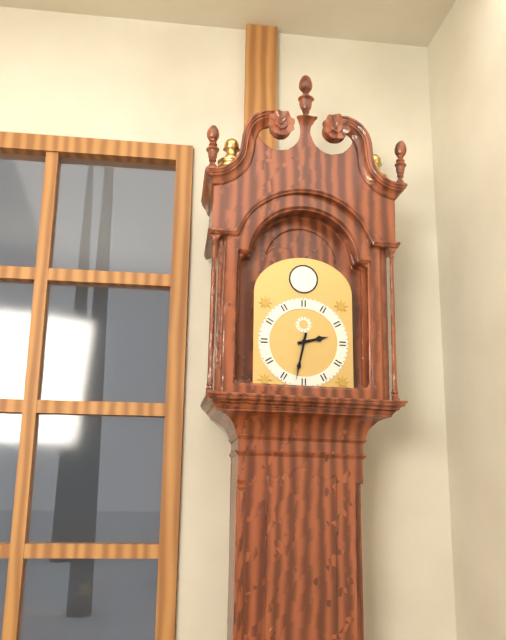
h=2 m=32
